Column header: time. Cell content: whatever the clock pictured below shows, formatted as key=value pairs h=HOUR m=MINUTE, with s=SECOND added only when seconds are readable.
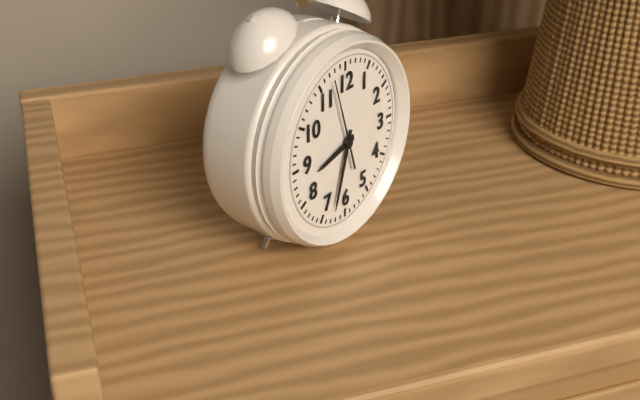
h=8 m=33 s=57
